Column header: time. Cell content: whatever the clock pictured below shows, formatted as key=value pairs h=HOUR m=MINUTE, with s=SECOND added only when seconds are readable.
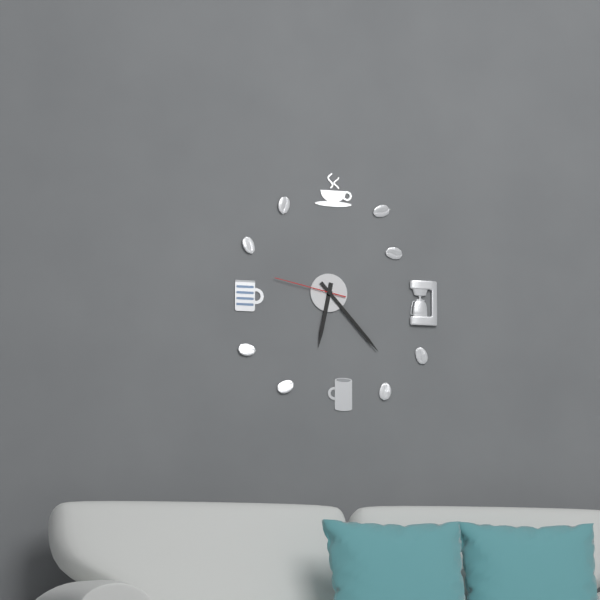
h=6 m=23 s=47
